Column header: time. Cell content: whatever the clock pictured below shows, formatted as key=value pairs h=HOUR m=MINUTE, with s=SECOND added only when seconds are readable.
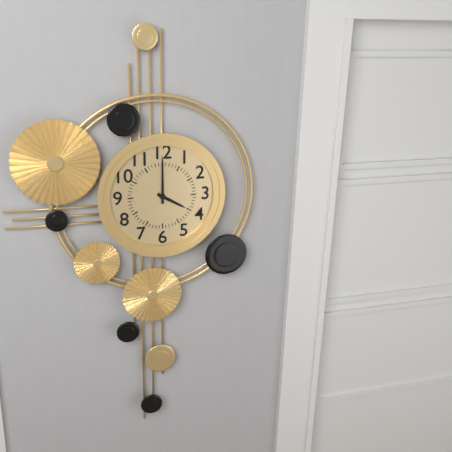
h=4 m=0
